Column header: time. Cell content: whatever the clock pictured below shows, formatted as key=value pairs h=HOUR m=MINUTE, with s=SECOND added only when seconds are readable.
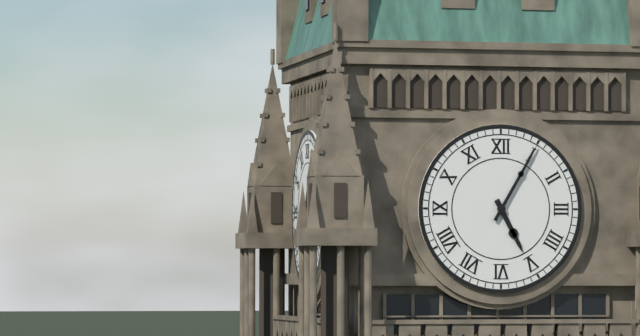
h=5 m=5
